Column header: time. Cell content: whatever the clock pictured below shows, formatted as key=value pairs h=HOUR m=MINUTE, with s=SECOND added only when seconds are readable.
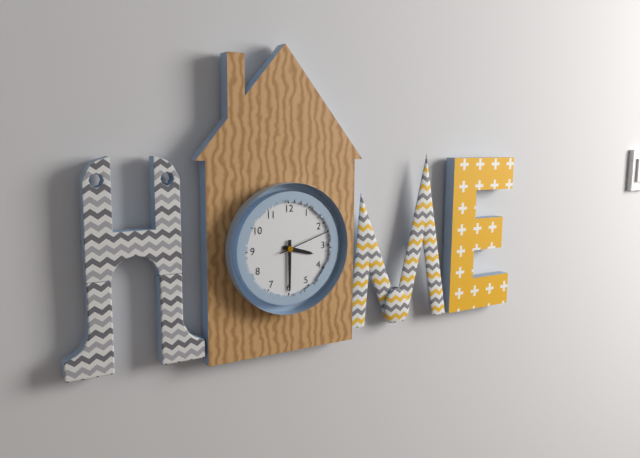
h=3 m=30 s=12
